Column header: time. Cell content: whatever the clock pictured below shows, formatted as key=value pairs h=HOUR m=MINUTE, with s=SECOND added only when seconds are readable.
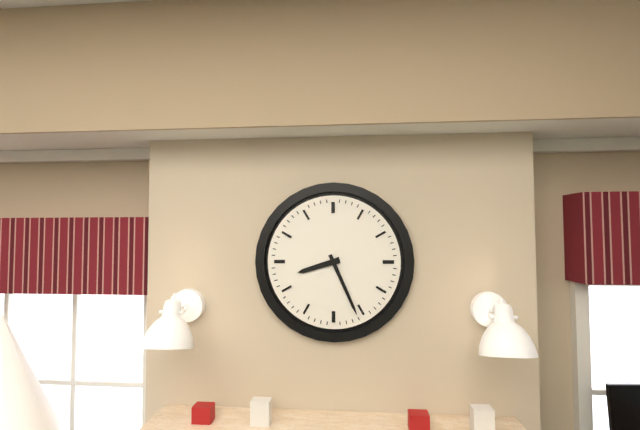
h=8 m=26
